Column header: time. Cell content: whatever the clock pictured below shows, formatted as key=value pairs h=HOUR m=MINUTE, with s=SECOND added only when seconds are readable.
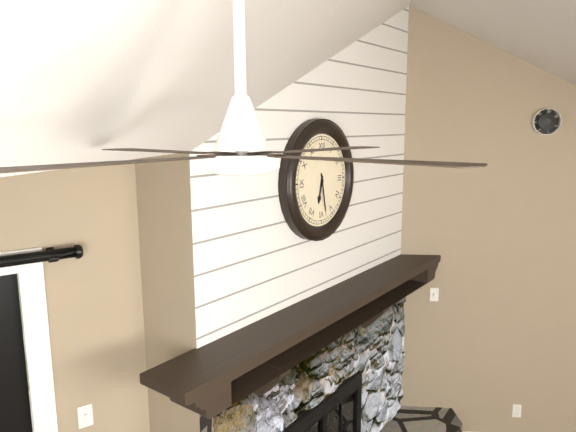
h=6 m=28
